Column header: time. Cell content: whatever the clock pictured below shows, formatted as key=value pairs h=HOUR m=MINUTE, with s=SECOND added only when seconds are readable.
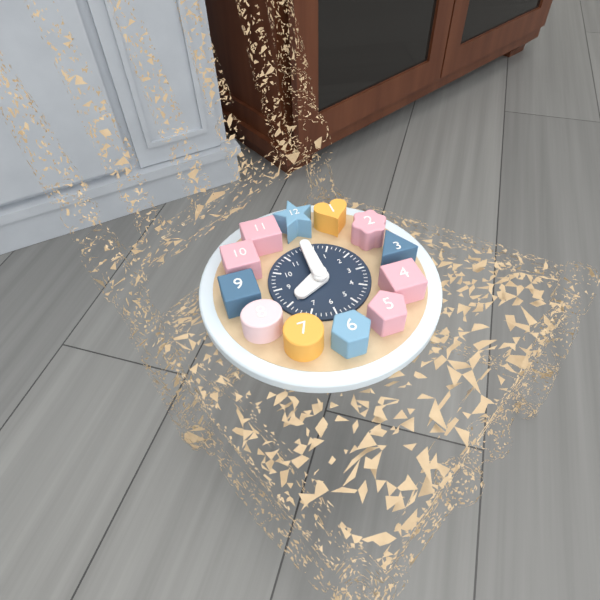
h=8 m=0
